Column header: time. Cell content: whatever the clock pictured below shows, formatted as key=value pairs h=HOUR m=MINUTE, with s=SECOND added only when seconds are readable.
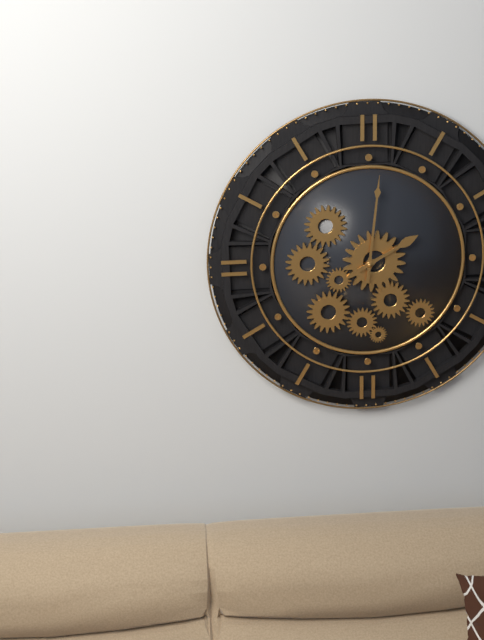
h=2 m=1
